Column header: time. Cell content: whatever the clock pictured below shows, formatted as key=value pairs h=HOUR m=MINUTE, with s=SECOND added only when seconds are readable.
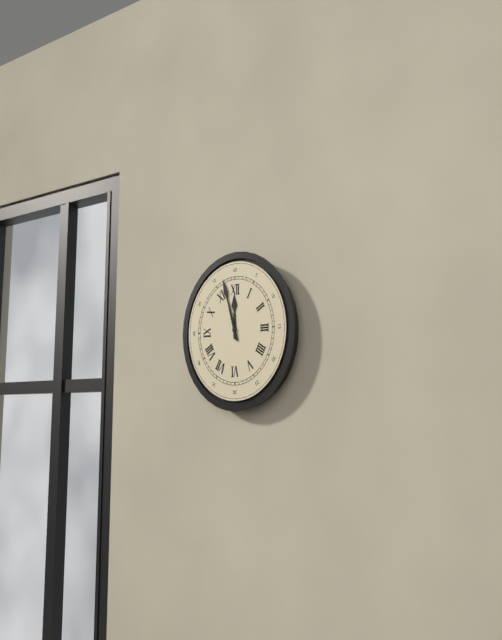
h=11 m=57
